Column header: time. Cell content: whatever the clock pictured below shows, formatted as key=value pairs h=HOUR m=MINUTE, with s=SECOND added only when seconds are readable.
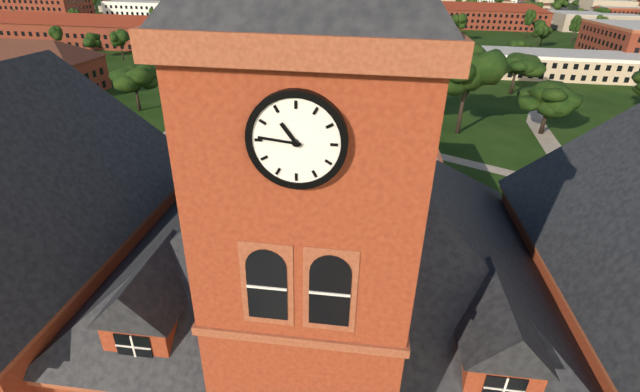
h=10 m=46
